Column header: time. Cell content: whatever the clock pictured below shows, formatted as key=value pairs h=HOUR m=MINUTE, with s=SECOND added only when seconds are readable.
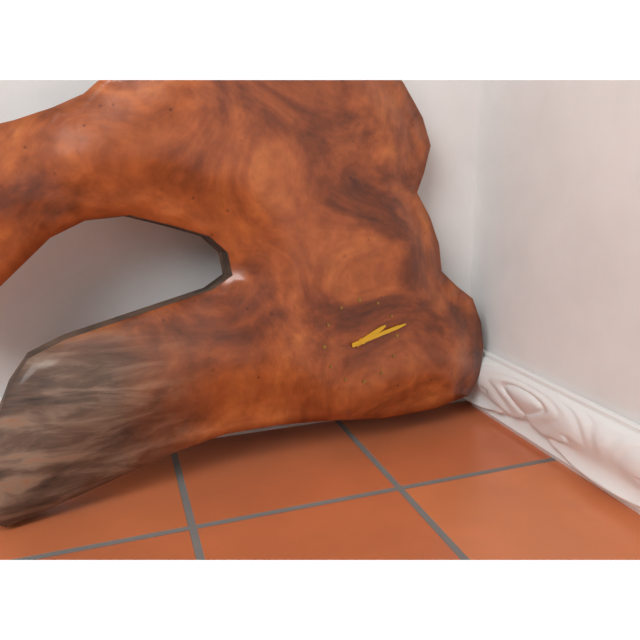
h=2 m=13
